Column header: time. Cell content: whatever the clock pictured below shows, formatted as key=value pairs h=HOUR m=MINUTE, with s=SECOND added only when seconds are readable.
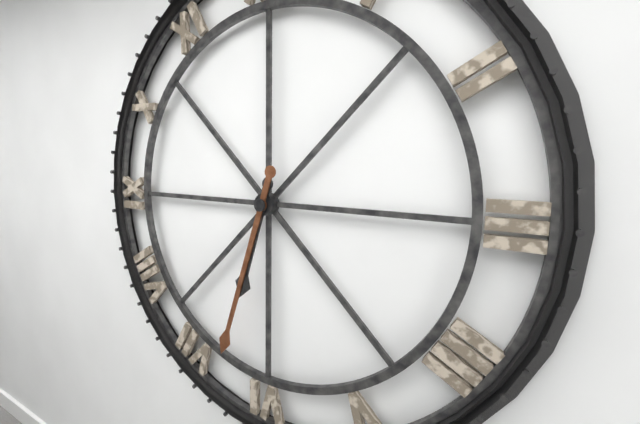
h=6 m=33
